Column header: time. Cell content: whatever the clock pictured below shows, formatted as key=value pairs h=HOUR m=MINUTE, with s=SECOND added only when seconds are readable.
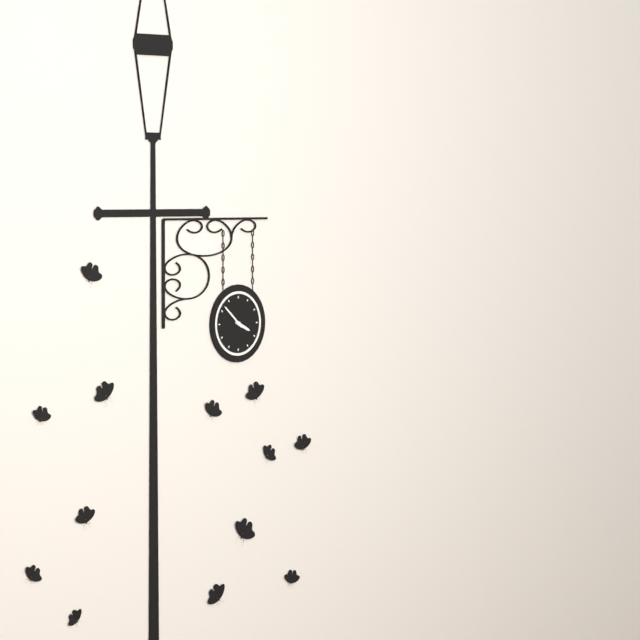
h=3 m=52
